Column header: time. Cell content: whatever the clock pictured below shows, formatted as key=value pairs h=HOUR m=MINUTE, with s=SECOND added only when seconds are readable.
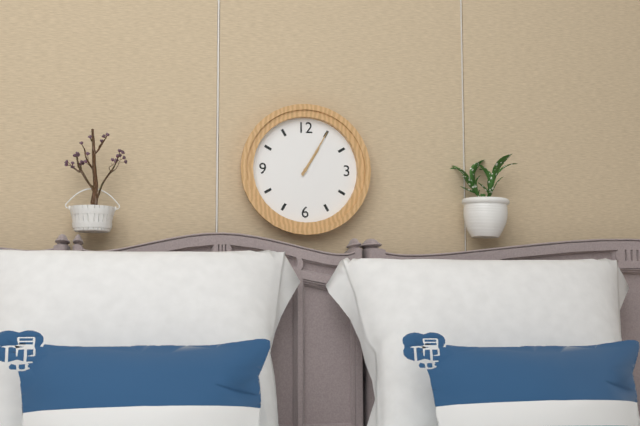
h=1 m=5
